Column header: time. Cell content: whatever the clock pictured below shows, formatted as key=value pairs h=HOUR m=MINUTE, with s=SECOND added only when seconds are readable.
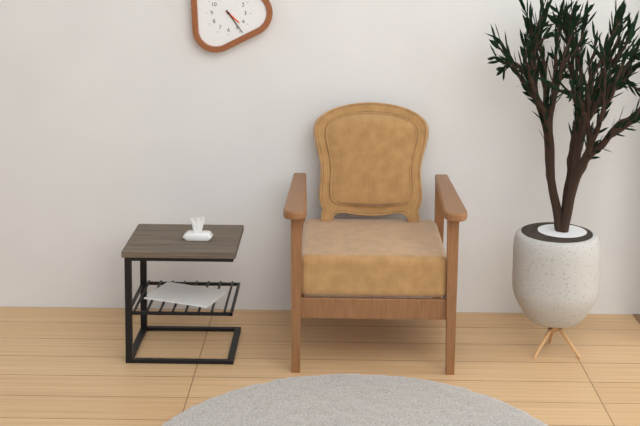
h=4 m=24
